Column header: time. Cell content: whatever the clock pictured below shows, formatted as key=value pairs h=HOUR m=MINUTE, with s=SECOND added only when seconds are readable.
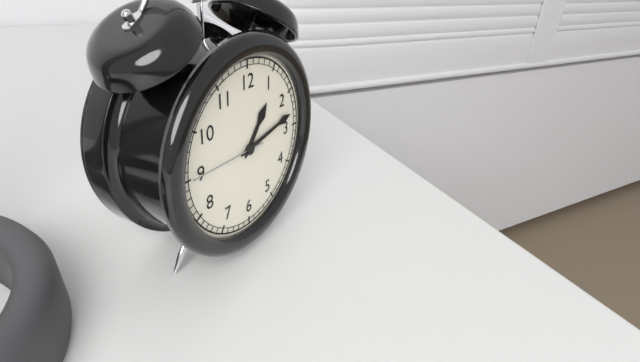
h=1 m=13 s=45
